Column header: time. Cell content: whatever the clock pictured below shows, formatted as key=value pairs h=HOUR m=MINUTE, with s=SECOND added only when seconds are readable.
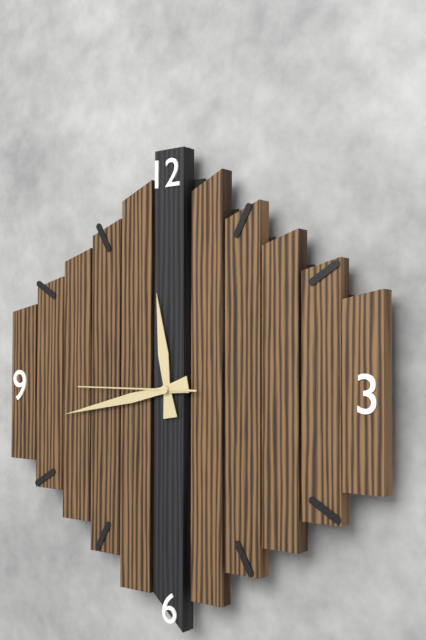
h=11 m=43 s=45
